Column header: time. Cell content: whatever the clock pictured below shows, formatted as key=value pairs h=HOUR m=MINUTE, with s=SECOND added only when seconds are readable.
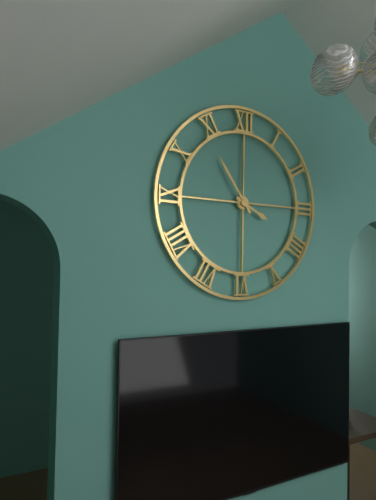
h=3 m=54
